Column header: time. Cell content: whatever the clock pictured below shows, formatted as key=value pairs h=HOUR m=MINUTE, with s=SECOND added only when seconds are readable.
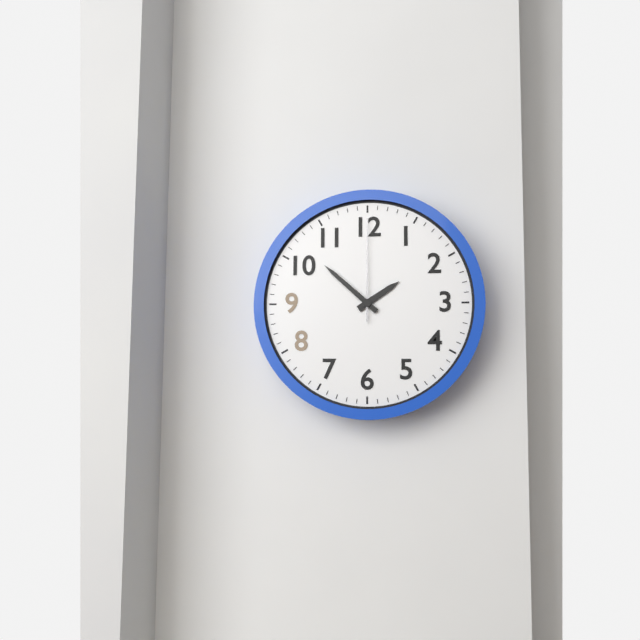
h=1 m=52 s=0
